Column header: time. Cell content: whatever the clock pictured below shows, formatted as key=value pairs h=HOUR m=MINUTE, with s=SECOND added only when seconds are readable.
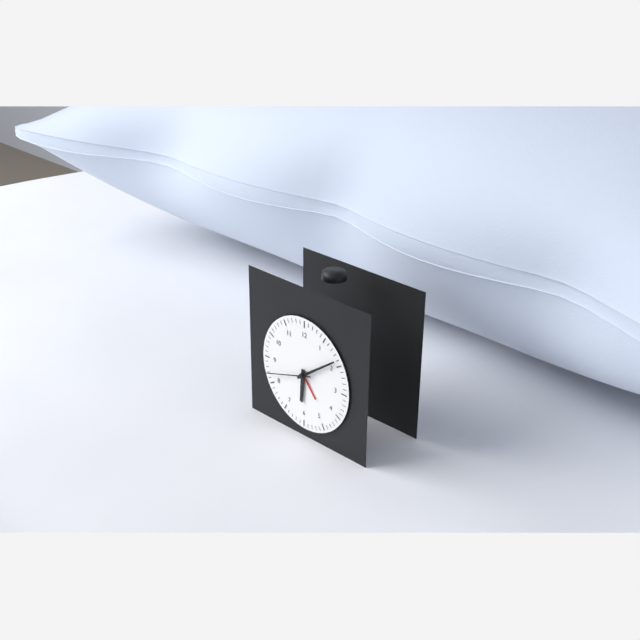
h=6 m=9
